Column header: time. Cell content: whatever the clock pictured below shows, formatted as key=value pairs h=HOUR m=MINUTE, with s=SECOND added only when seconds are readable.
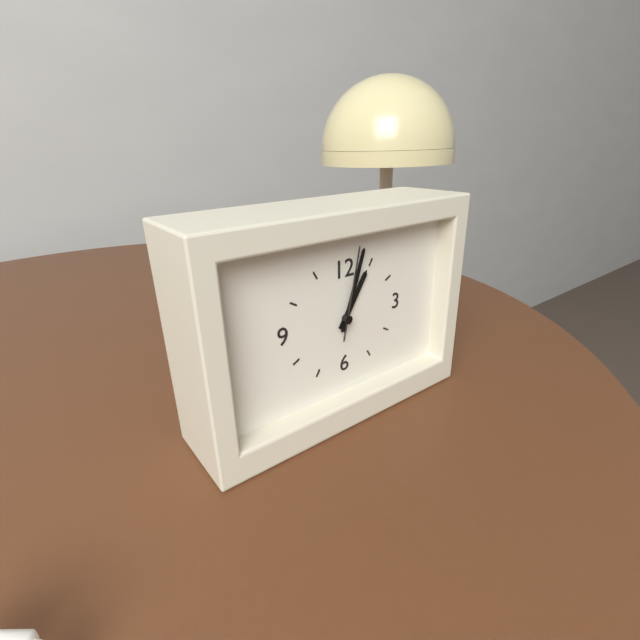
h=1 m=3 s=2
